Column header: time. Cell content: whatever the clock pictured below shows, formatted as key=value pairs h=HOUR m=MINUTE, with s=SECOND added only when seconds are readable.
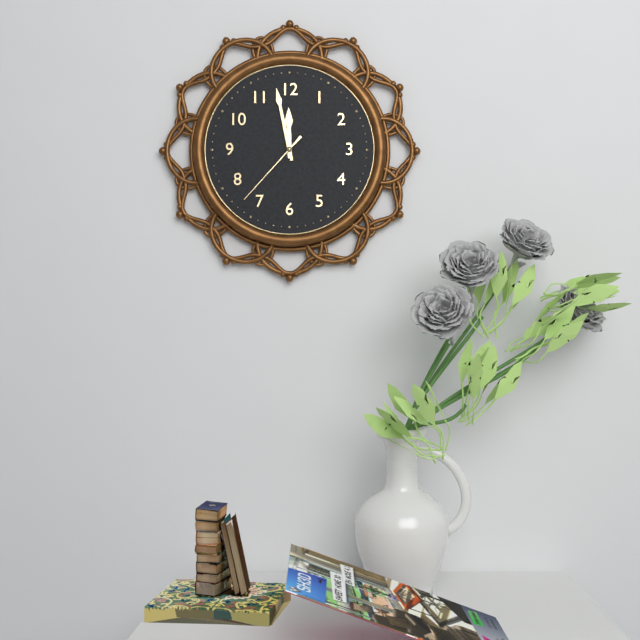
h=11 m=58 s=37
